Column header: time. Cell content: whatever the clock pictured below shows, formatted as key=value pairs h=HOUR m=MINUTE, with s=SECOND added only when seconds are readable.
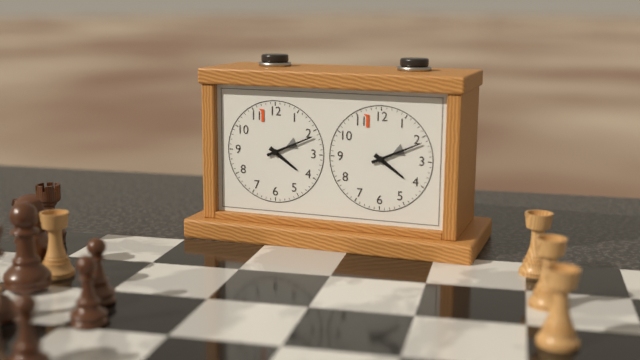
h=4 m=11
